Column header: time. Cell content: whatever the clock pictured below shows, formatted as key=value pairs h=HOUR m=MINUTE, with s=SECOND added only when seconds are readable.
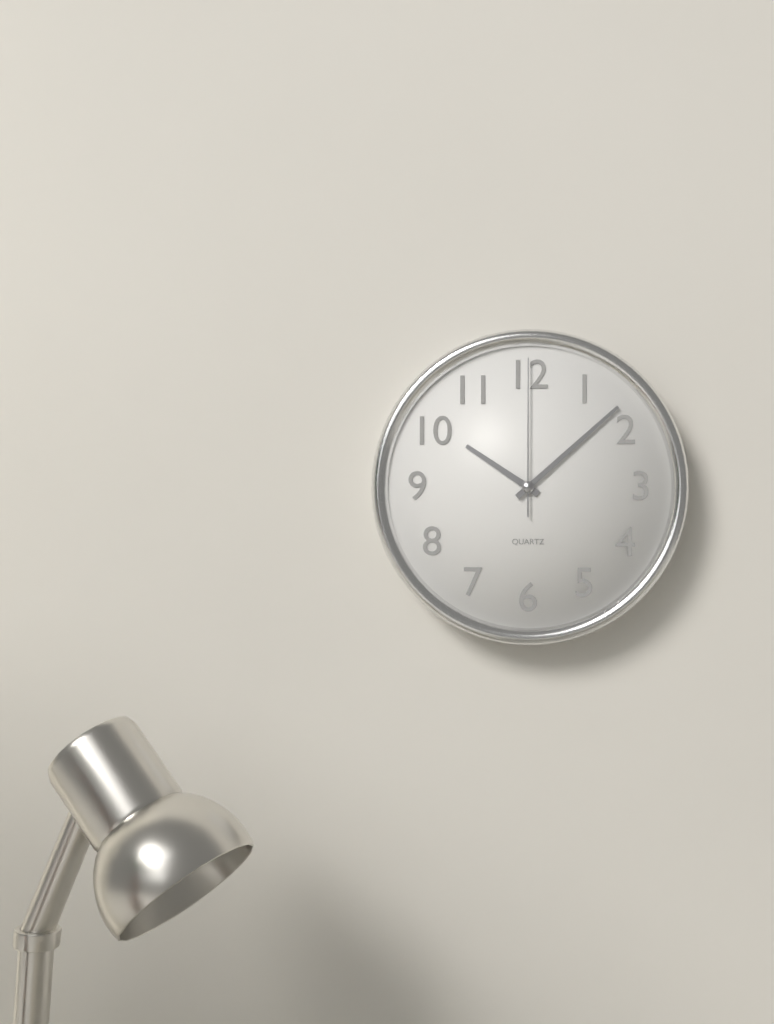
h=10 m=8 s=0
